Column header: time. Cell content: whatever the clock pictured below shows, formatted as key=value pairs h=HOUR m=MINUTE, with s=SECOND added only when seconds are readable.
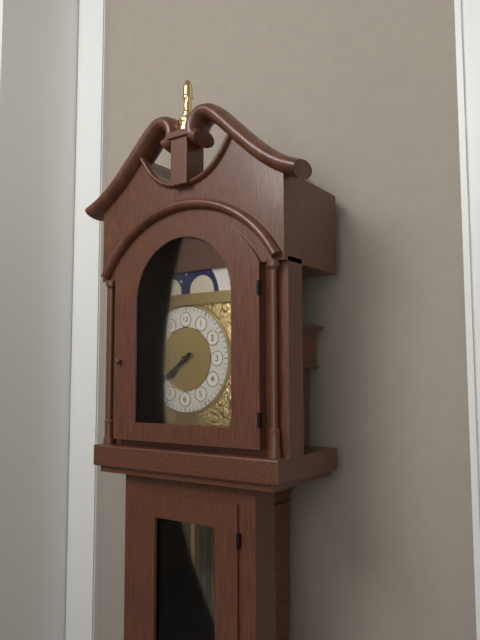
h=7 m=39
